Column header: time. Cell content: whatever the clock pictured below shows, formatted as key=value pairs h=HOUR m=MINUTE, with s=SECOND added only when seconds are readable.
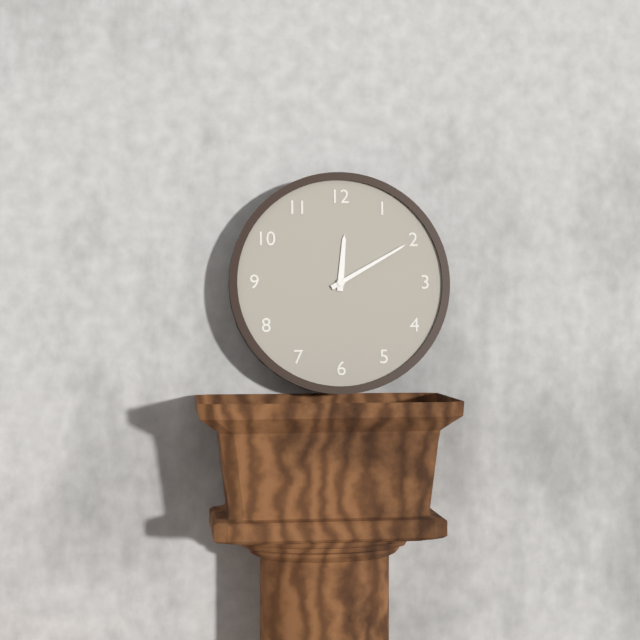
h=12 m=10
